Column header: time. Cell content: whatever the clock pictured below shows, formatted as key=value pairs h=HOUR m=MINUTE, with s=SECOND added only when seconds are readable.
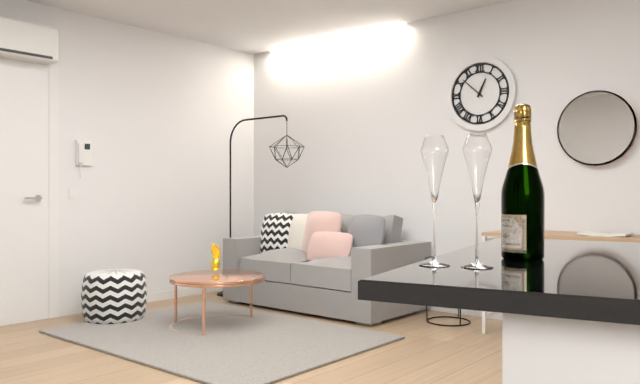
h=12 m=52
